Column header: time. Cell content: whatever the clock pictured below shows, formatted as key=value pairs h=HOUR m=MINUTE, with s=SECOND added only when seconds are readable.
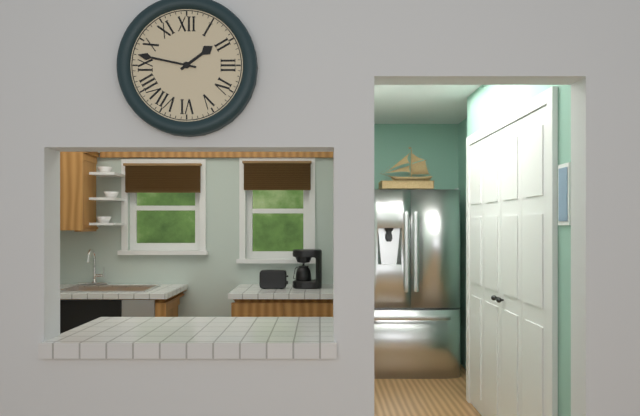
h=1 m=47
